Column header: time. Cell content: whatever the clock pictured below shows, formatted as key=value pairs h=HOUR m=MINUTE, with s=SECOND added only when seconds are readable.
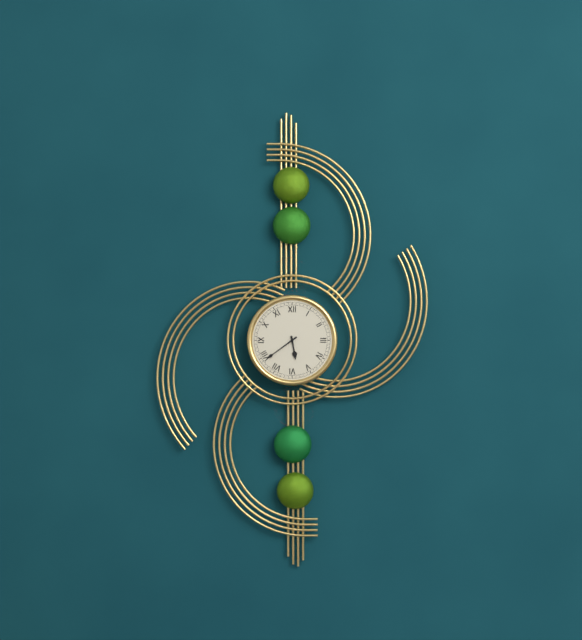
h=5 m=39
